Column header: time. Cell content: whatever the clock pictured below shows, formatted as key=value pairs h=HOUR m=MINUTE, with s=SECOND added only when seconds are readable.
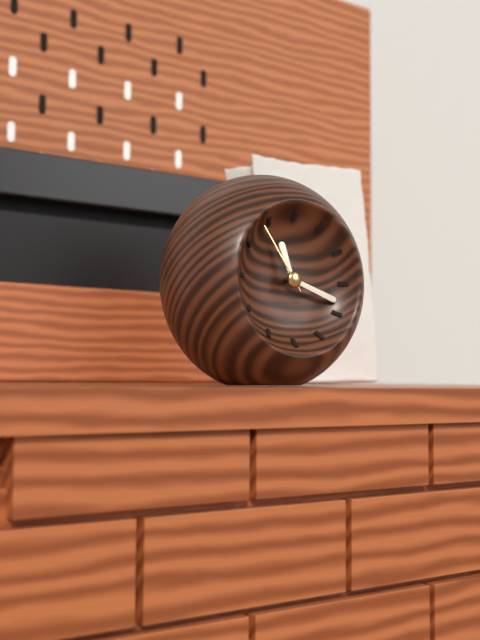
h=11 m=18 s=54
